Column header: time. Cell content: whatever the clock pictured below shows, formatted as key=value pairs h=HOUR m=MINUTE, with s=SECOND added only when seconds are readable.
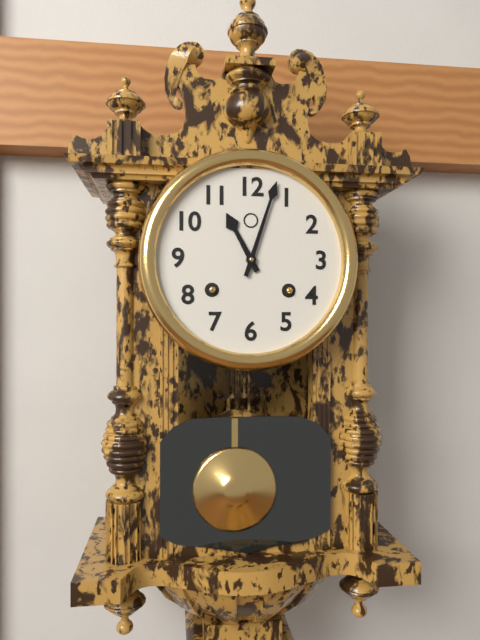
h=11 m=3
